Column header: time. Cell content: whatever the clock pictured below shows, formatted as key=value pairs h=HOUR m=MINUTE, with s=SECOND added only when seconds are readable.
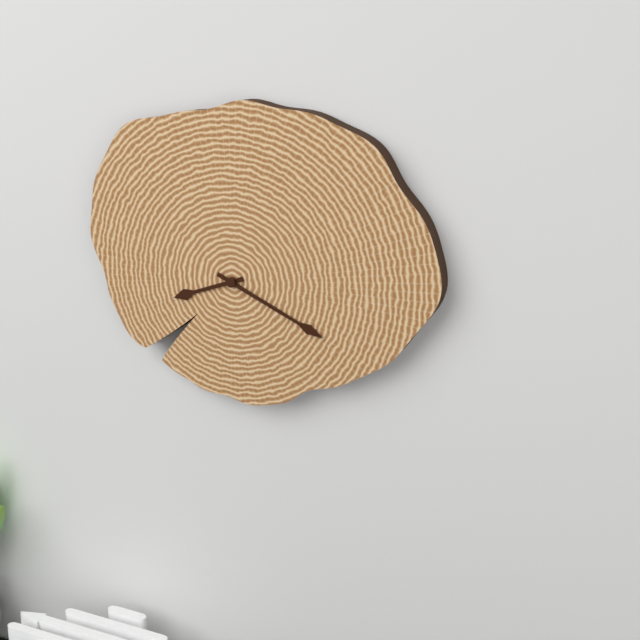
h=8 m=19
